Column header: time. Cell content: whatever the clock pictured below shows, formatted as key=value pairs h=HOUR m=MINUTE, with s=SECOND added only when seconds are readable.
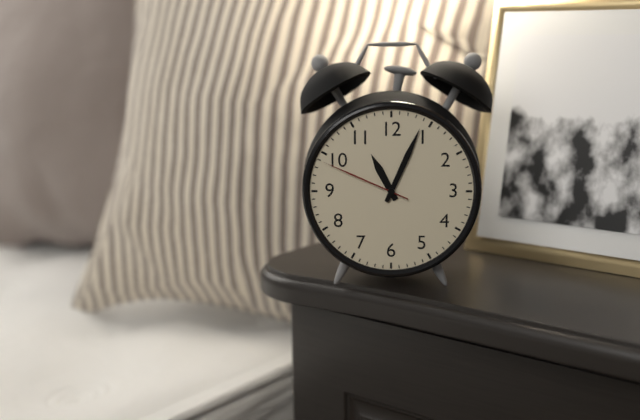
h=11 m=4 s=49
